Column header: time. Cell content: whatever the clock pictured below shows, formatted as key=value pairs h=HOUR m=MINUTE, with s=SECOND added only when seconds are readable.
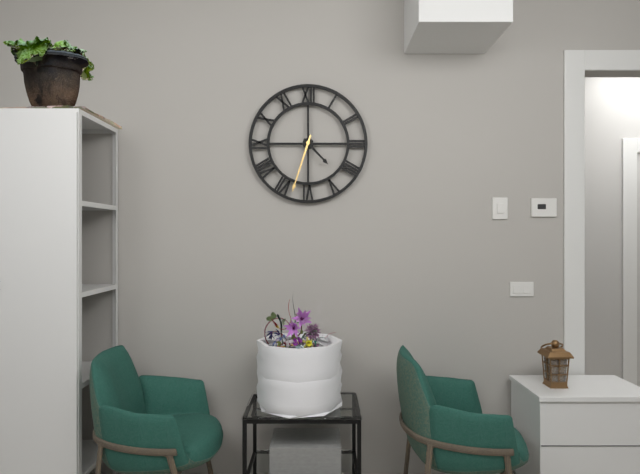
h=4 m=33
